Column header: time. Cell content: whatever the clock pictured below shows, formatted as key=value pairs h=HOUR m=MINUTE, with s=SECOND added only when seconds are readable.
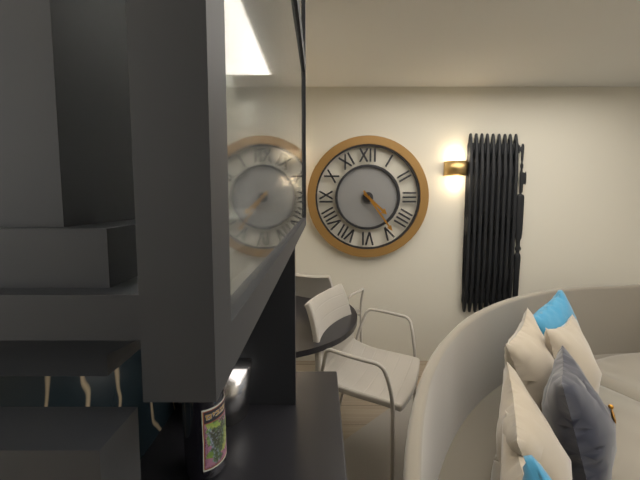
h=4 m=24
